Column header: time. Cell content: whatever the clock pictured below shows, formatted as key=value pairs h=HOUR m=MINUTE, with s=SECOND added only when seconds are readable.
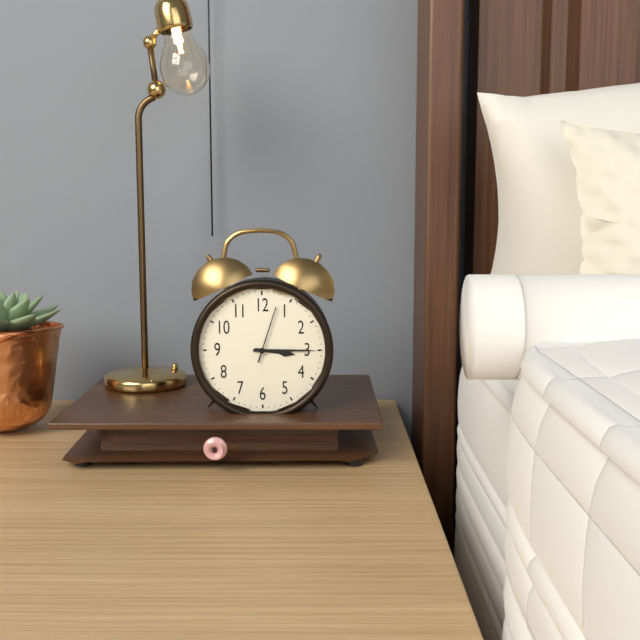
h=3 m=15 s=3
